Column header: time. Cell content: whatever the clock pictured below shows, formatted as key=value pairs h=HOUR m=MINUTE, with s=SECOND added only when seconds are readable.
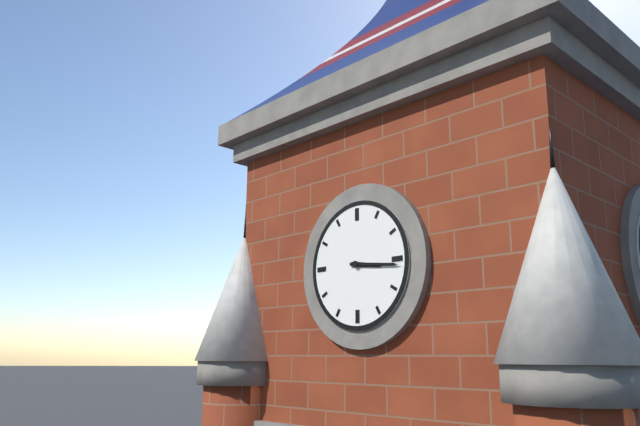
h=3 m=16
